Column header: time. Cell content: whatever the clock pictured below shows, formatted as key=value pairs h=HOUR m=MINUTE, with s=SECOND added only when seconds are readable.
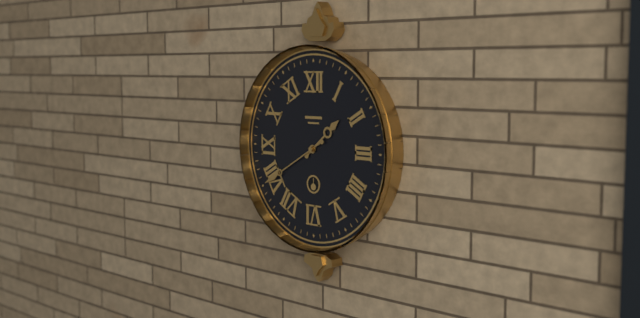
h=1 m=40
